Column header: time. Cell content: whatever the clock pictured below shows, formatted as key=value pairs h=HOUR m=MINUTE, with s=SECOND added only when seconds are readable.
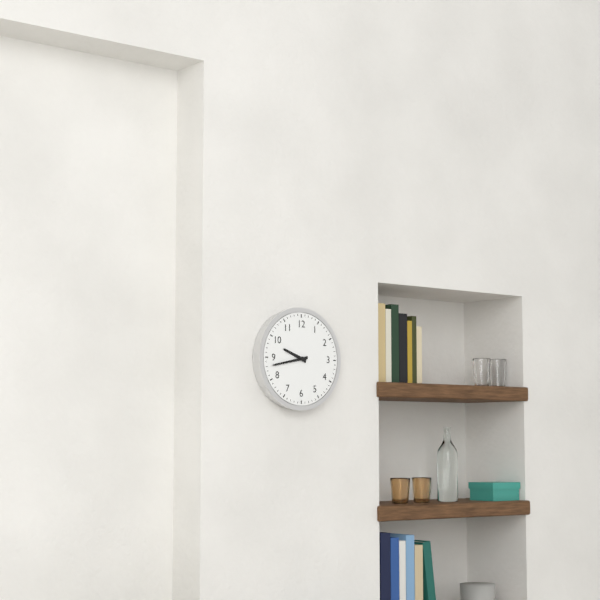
h=9 m=43
